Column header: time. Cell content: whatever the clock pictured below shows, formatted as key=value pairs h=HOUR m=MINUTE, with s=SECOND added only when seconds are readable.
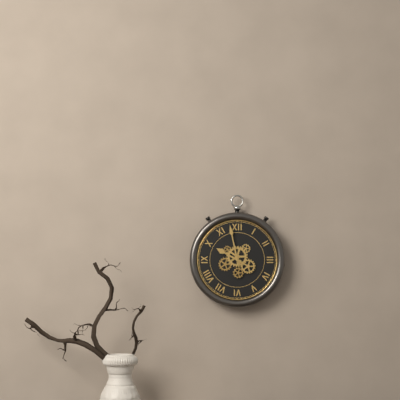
h=9 m=58
